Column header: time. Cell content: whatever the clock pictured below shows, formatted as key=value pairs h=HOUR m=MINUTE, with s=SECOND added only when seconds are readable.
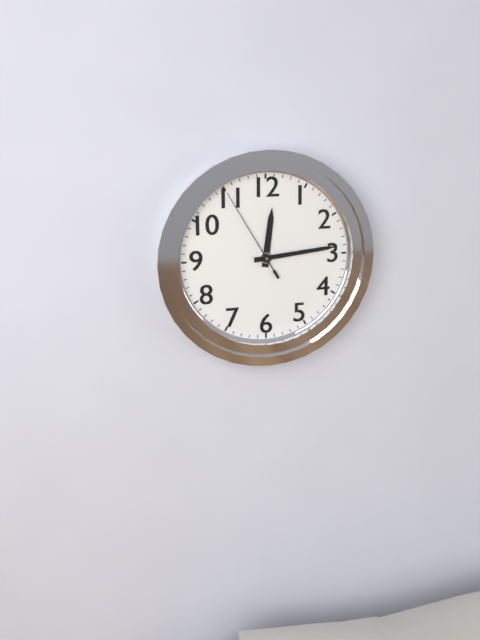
h=12 m=14 s=55
